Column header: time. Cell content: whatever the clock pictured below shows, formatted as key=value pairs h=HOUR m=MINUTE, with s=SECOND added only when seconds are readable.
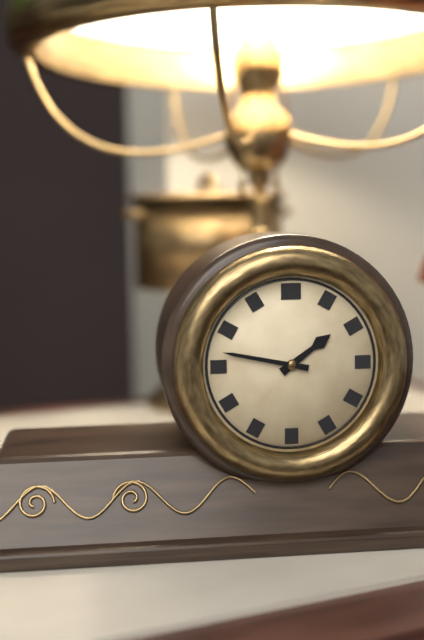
h=1 m=47
